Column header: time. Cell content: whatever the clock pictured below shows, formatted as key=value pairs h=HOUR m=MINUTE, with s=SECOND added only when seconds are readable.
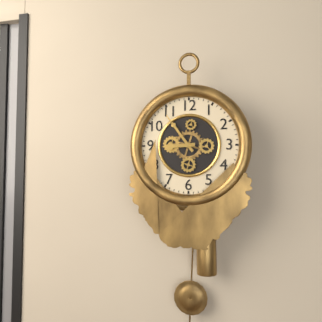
h=8 m=54
